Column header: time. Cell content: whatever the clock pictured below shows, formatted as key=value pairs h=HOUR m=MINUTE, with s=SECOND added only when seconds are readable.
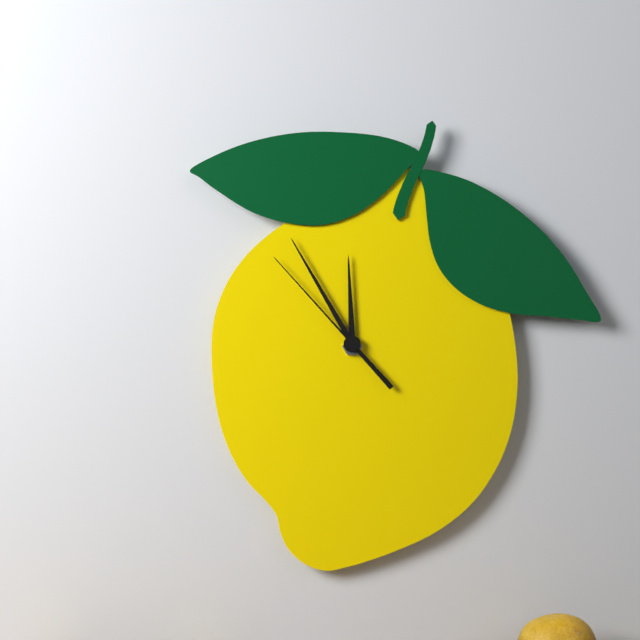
h=11 m=55 s=53
